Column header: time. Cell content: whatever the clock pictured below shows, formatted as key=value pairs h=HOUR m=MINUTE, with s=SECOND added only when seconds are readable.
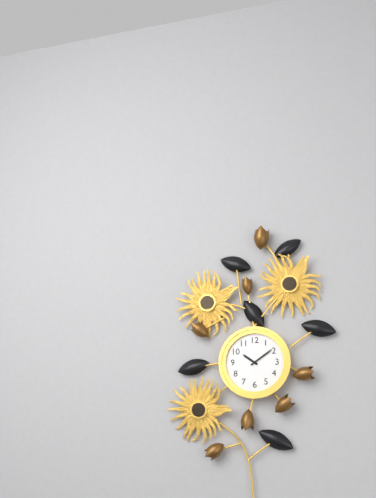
h=10 m=9
